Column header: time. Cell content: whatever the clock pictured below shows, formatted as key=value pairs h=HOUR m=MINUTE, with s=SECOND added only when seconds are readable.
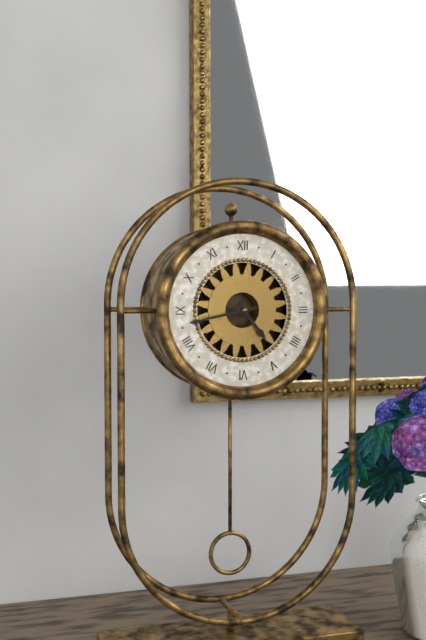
h=4 m=43
